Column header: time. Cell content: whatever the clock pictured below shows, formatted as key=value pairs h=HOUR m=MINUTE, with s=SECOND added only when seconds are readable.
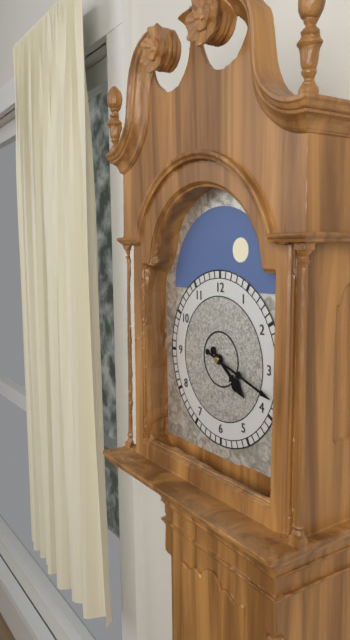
h=4 m=18
